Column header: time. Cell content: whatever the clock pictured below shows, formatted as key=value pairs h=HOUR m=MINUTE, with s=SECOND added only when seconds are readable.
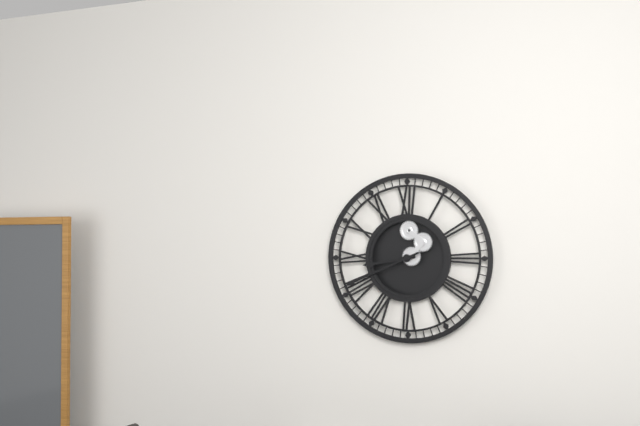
h=8 m=41
